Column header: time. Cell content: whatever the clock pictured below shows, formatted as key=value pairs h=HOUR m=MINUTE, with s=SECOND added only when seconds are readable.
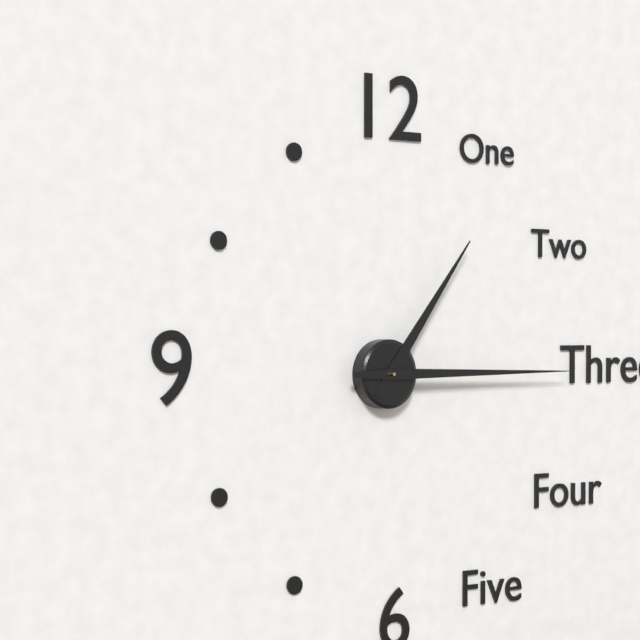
h=1 m=15
